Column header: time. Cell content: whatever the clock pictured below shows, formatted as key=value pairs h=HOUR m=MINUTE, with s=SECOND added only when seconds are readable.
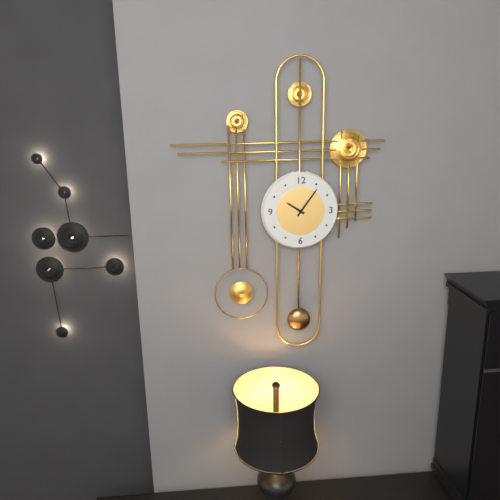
h=10 m=6
